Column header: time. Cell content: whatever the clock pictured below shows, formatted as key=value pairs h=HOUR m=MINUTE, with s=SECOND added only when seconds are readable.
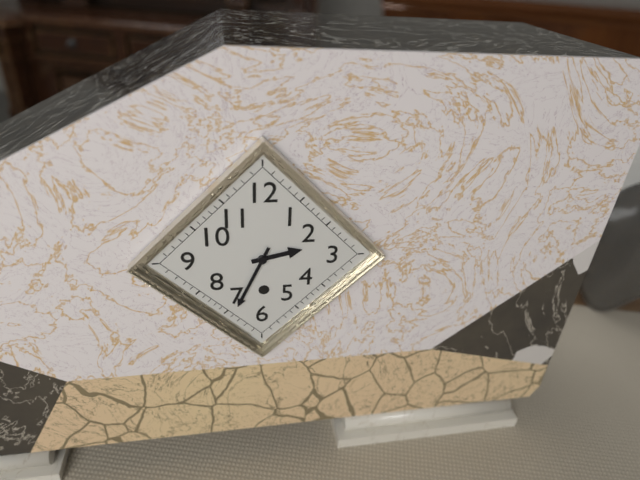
h=2 m=34
